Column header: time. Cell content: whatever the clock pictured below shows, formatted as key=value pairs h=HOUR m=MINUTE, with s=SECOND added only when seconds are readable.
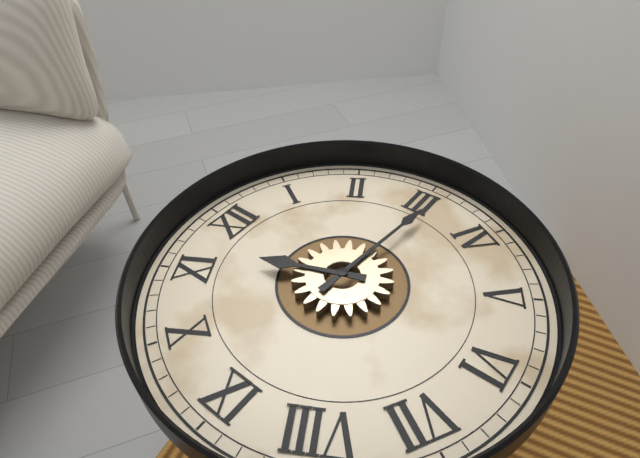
h=11 m=16
